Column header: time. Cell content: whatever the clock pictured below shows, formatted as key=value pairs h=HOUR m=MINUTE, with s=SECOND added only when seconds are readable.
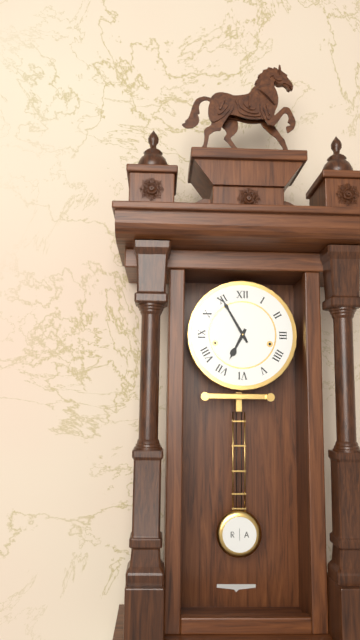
h=6 m=55
